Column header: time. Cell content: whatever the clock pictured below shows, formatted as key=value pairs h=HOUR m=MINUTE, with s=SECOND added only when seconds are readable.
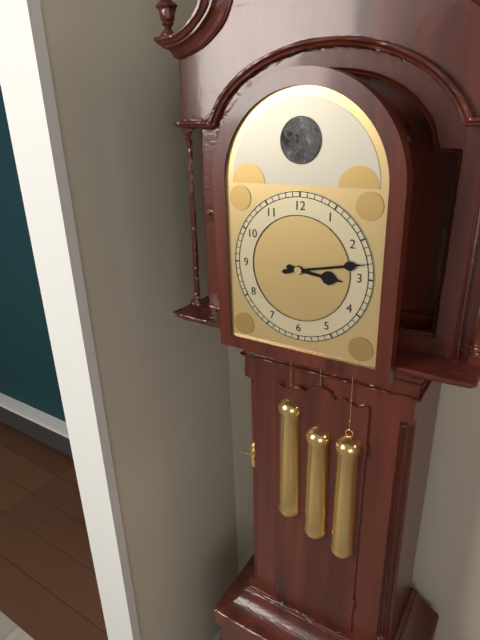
h=3 m=13
